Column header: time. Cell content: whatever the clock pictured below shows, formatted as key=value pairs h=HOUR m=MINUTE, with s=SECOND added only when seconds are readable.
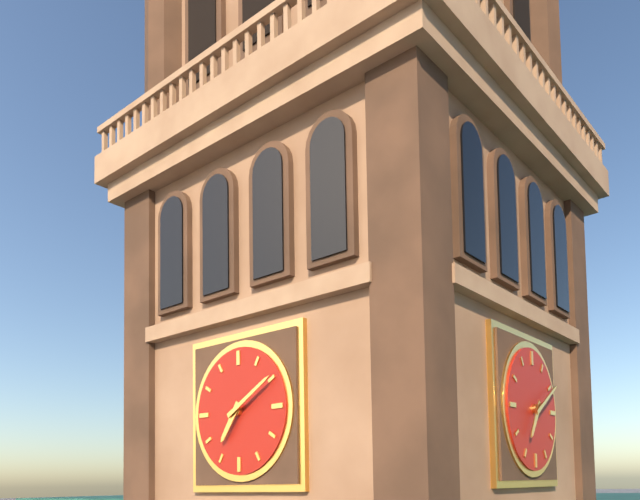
h=7 m=10
